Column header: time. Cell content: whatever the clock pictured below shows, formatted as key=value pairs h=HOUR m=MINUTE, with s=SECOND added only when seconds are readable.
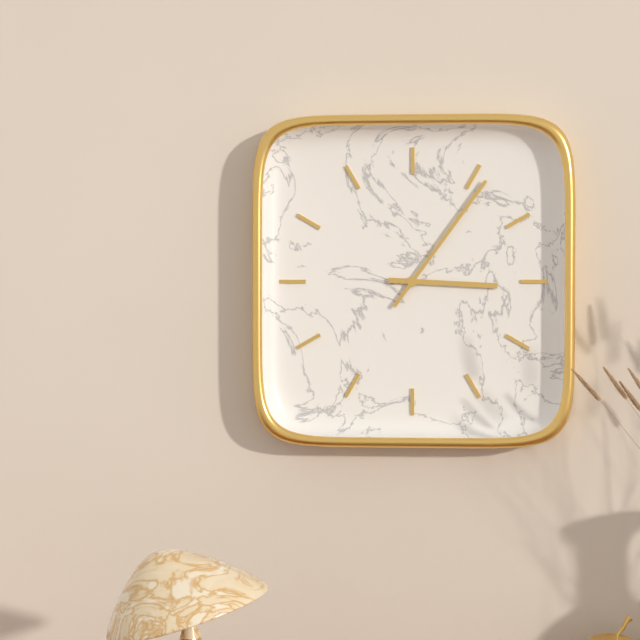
h=3 m=6
